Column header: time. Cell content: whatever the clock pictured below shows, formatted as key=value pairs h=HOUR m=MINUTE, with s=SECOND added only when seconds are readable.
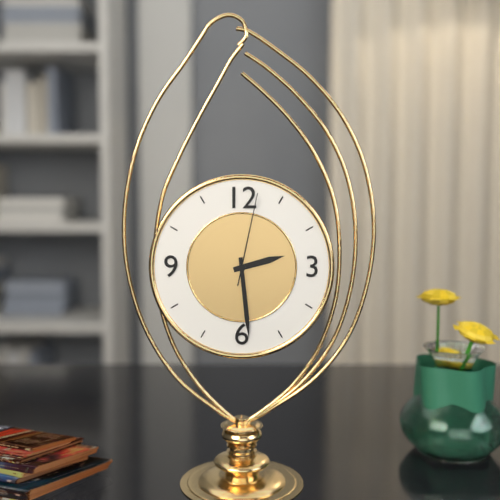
h=2 m=29 s=2
